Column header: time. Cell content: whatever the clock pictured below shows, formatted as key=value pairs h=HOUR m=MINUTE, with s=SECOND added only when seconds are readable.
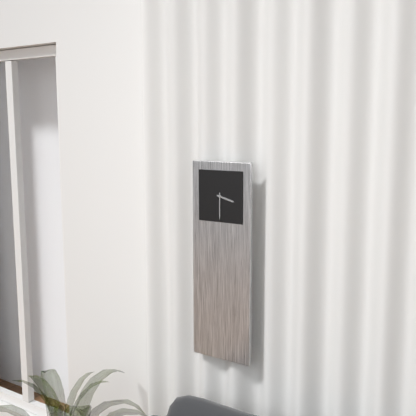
h=3 m=30
